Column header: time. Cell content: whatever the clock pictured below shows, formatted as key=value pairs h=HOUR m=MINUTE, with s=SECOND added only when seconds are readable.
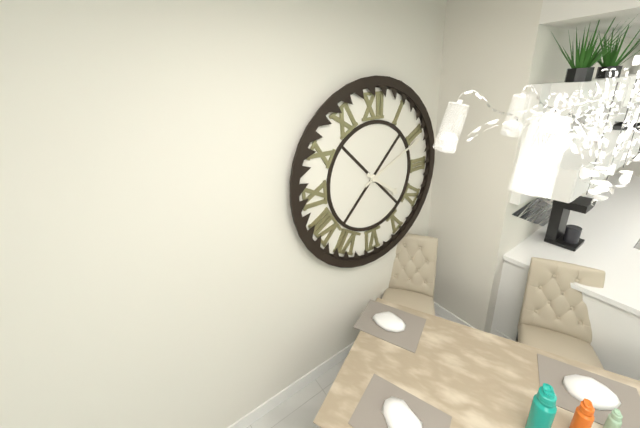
h=4 m=11
